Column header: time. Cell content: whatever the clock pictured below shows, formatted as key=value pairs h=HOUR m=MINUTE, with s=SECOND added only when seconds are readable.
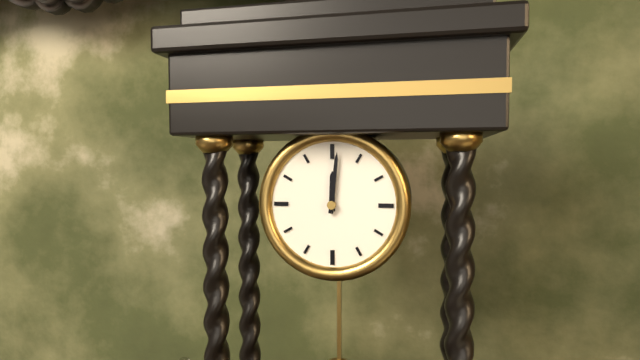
h=12 m=1
